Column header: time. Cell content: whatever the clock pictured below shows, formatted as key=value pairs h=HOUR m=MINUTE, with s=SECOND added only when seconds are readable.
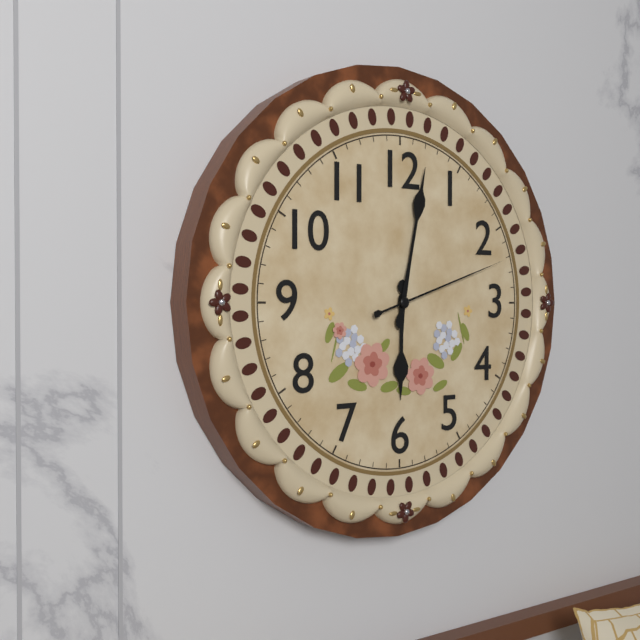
h=6 m=2 s=12
